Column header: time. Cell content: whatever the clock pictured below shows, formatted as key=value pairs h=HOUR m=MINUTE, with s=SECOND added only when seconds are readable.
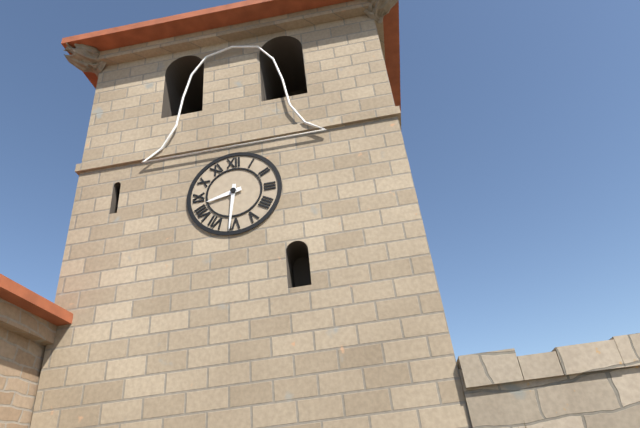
h=8 m=31
